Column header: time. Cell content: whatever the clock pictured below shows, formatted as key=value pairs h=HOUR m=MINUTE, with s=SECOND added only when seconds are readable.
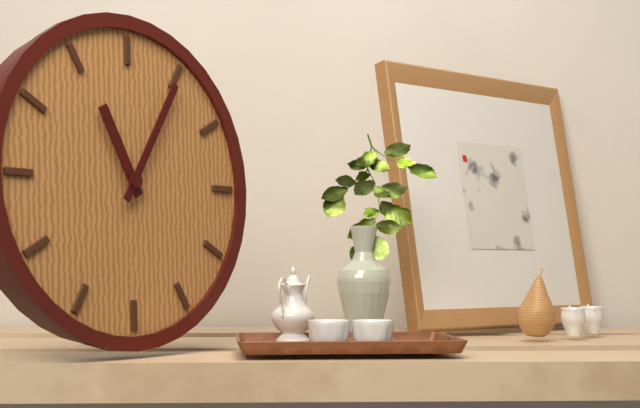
h=11 m=5
